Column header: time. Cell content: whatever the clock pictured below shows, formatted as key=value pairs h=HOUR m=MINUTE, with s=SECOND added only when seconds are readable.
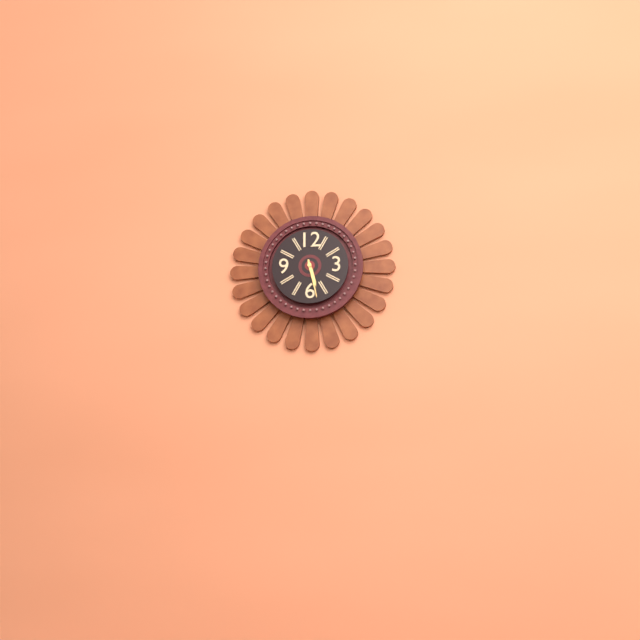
h=5 m=28
